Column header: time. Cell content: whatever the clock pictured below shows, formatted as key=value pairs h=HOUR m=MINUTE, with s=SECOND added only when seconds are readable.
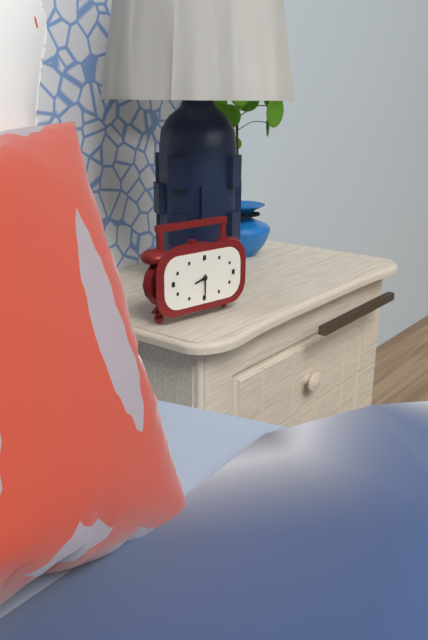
h=8 m=30
